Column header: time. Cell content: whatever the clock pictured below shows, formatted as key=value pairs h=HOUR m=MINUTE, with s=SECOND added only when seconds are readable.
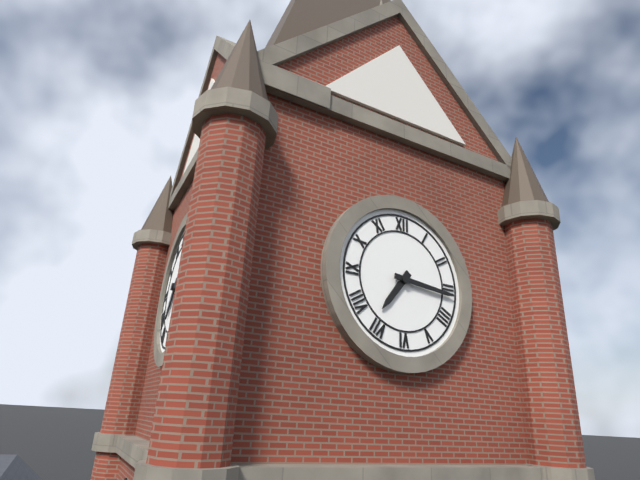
h=7 m=16
